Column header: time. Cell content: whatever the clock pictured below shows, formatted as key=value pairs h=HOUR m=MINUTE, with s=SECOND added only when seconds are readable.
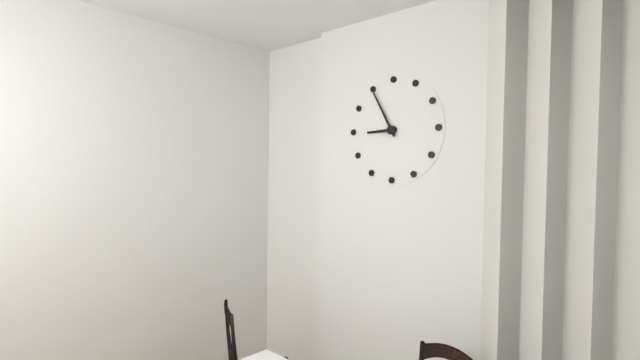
h=8 m=55
